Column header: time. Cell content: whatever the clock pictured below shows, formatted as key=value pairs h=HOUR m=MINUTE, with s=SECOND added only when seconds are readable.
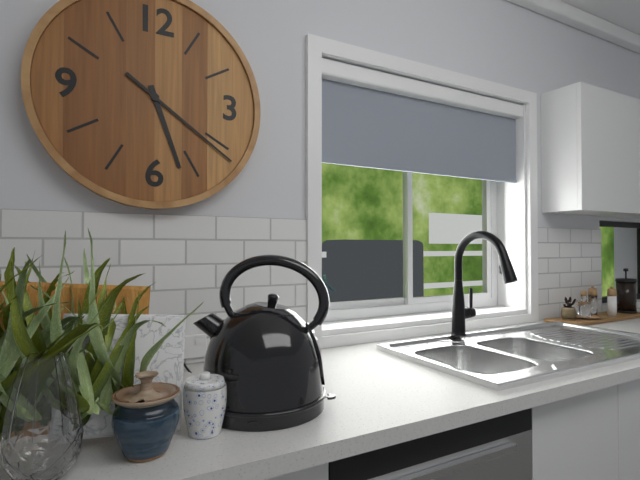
h=5 m=21
